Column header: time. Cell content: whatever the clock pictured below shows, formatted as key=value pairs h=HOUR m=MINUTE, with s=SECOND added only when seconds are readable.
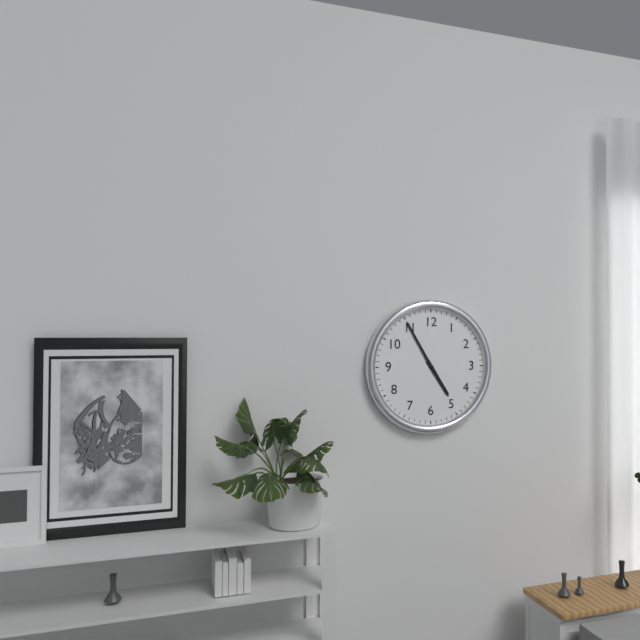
h=4 m=55
